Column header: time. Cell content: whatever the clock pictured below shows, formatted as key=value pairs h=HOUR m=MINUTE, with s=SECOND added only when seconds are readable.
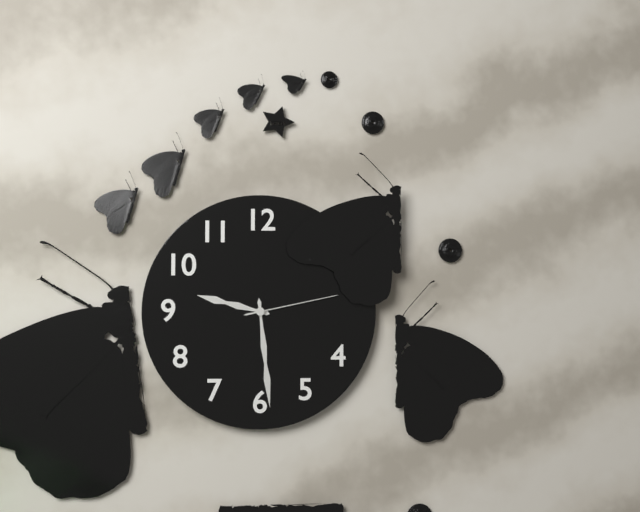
h=9 m=29 s=13
